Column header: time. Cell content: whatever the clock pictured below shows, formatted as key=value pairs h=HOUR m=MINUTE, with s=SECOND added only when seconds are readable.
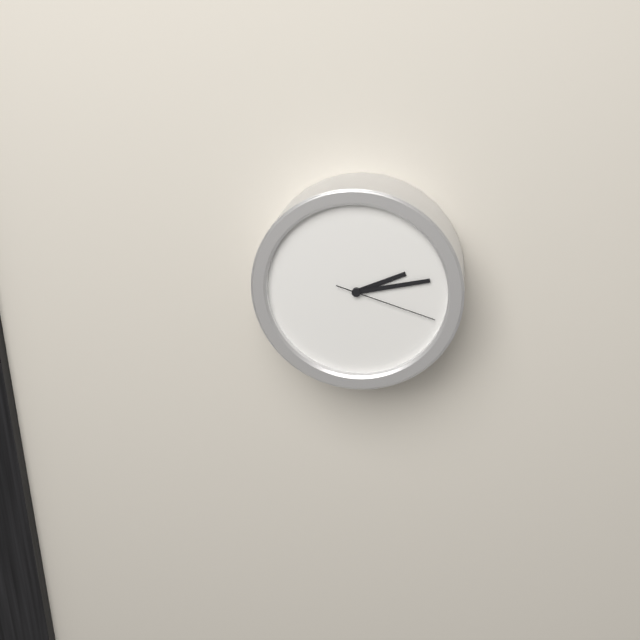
h=2 m=13 s=18
